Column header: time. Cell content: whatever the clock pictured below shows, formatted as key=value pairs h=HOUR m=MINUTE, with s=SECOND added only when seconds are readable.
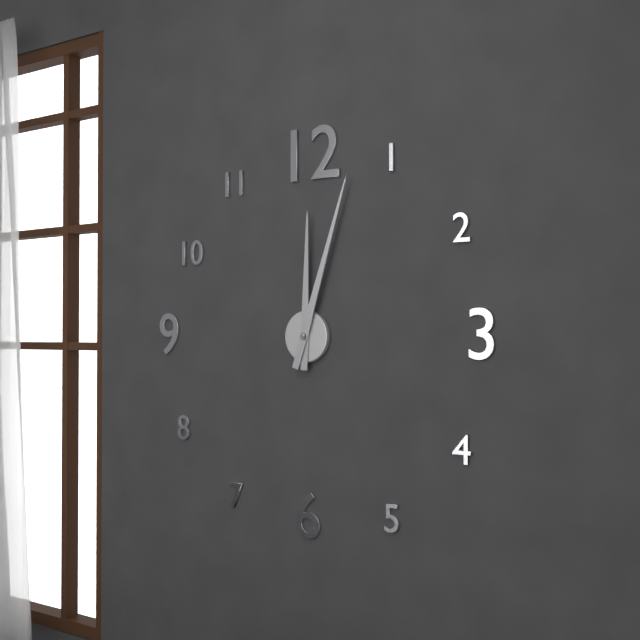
h=12 m=3
